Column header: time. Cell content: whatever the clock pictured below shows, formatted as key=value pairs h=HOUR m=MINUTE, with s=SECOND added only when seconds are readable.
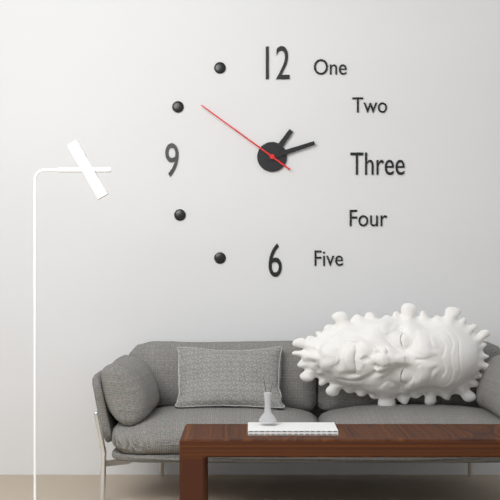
h=1 m=12 s=51
